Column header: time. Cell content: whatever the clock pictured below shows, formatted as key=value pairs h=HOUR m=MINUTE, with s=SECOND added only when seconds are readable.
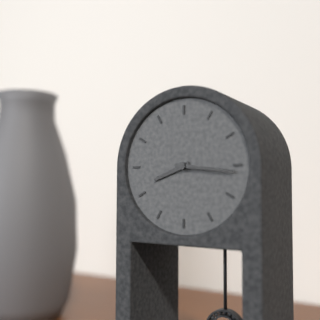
h=8 m=16
